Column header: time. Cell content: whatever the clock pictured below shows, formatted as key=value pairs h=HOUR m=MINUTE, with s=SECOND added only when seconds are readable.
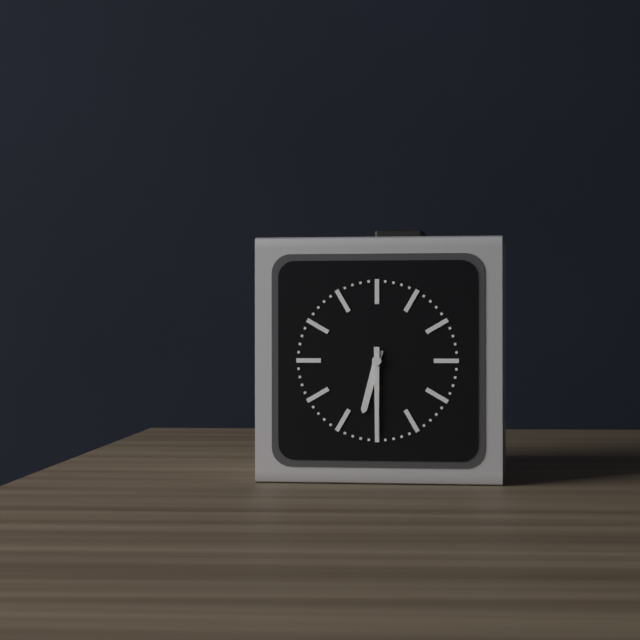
h=6 m=30
